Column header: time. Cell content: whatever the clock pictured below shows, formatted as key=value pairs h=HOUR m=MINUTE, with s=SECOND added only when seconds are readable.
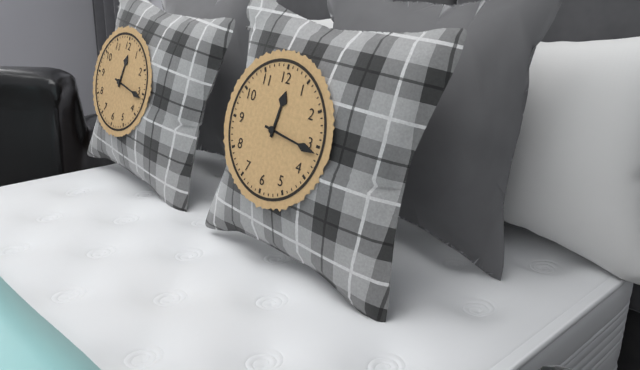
h=12 m=16
